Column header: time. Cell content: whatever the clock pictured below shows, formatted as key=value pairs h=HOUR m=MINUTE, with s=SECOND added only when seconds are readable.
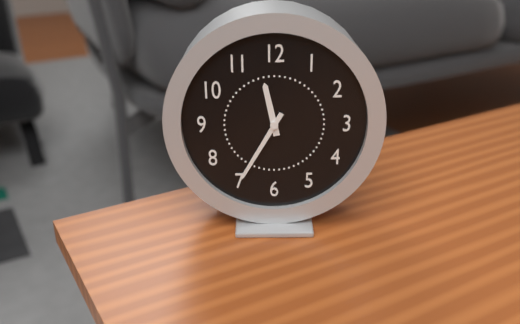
h=11 m=35
